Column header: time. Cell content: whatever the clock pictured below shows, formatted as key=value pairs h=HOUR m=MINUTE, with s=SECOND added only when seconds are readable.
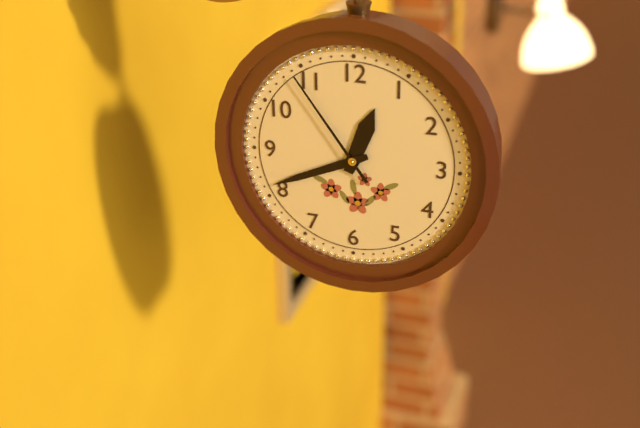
h=12 m=41 s=54
